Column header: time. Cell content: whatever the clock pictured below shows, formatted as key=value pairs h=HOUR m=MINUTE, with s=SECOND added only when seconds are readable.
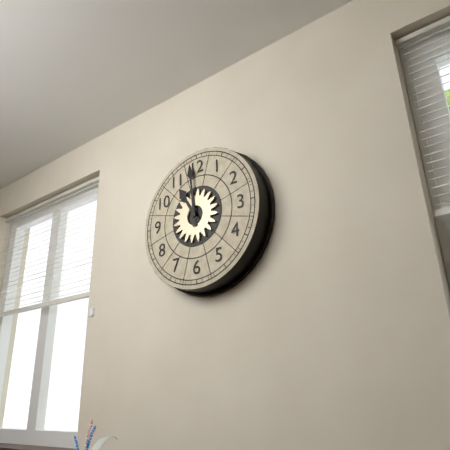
h=10 m=59
